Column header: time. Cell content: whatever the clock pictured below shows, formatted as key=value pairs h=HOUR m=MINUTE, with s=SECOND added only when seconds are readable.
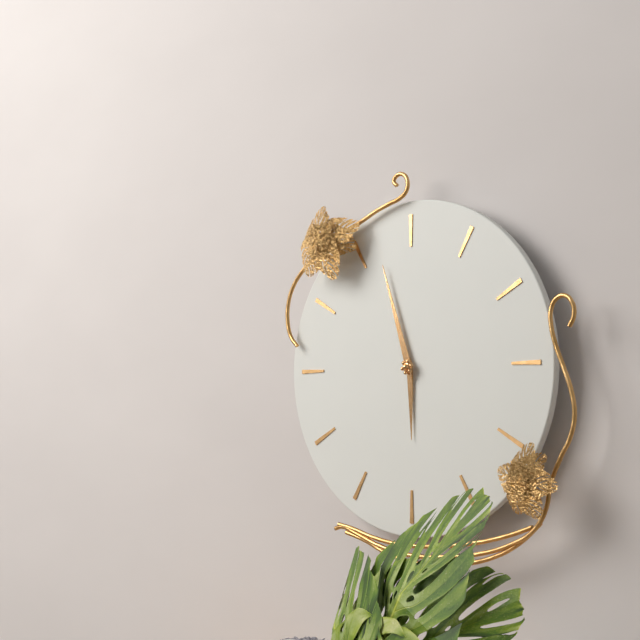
h=5 m=57
